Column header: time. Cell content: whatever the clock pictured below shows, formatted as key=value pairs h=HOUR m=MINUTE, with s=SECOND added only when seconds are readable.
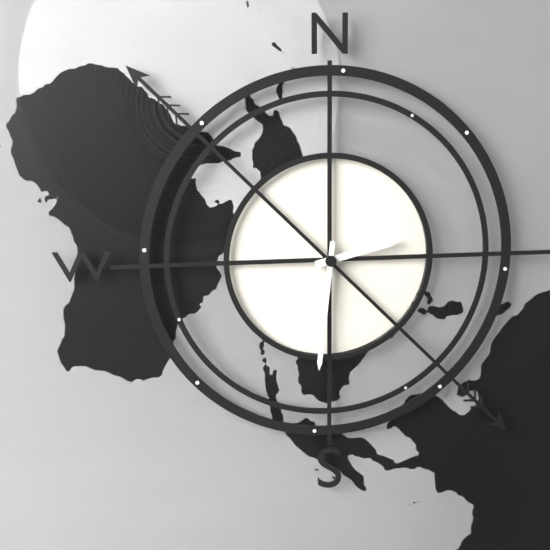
h=2 m=31
